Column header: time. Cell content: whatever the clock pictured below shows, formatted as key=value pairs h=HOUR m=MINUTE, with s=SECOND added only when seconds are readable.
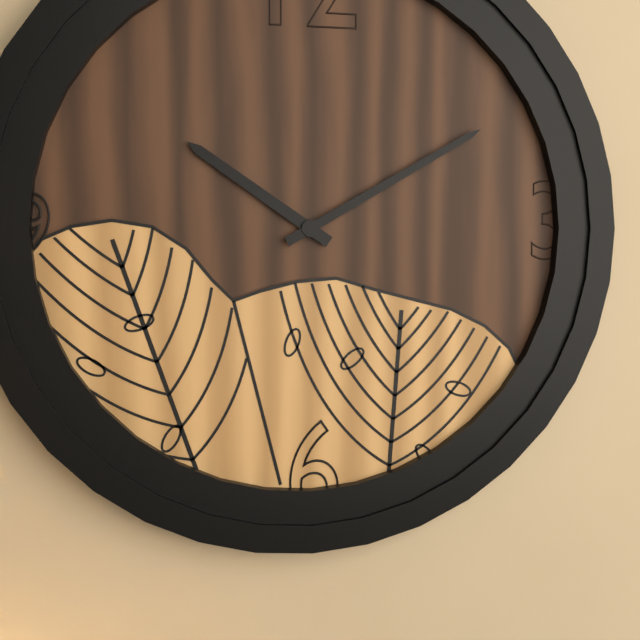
h=10 m=10
